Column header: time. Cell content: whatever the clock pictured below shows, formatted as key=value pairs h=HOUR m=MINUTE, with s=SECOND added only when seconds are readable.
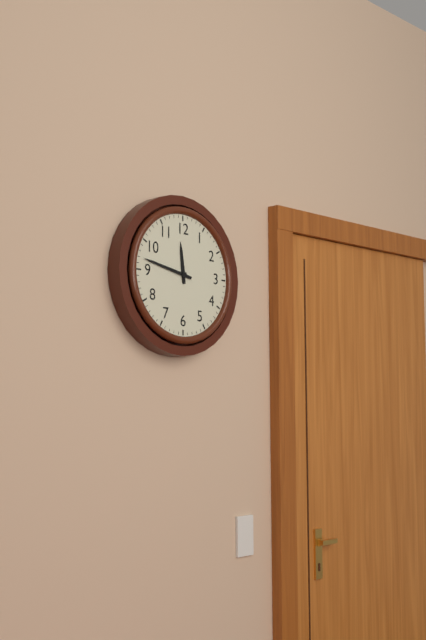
h=11 m=47
